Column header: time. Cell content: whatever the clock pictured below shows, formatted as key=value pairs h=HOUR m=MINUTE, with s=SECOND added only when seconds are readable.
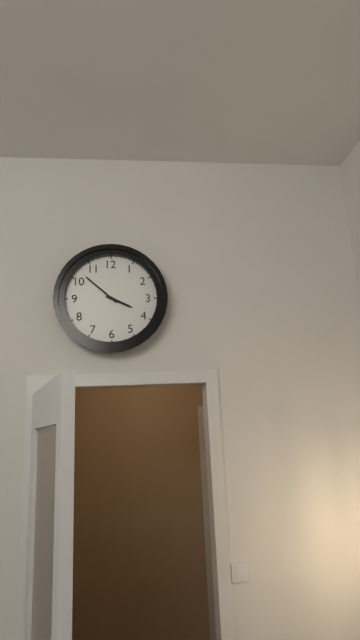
h=3 m=52
